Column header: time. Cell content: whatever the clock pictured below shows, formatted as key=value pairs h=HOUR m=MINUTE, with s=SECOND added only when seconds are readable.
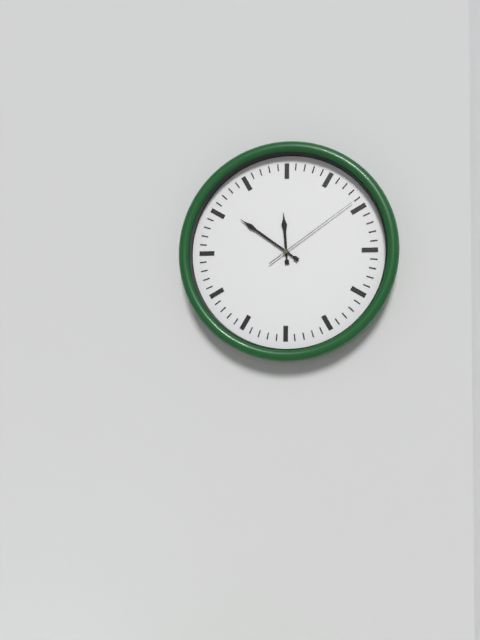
h=11 m=51 s=9
